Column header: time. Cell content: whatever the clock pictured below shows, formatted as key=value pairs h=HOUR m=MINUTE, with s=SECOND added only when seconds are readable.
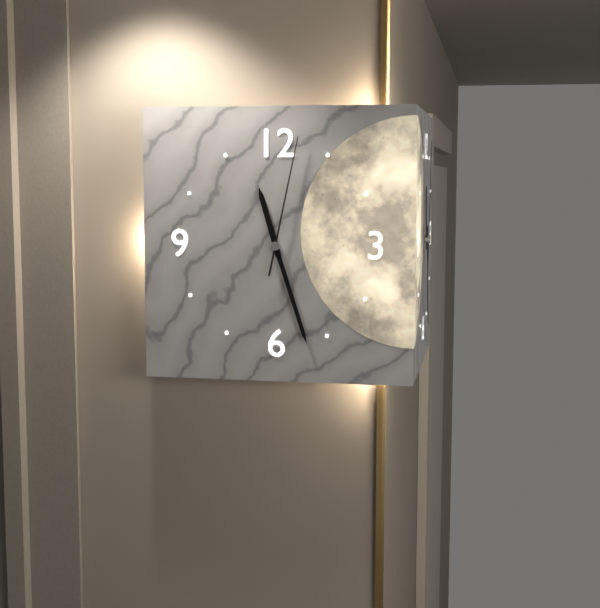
h=11 m=27 s=2
